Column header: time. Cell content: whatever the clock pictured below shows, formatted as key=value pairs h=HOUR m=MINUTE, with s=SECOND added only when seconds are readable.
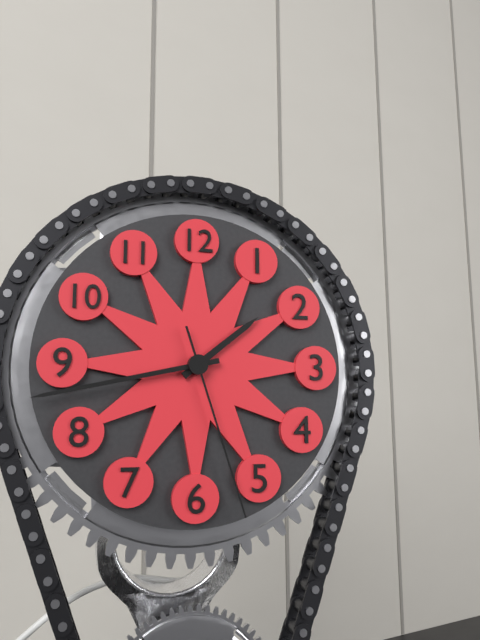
h=1 m=43 s=27
